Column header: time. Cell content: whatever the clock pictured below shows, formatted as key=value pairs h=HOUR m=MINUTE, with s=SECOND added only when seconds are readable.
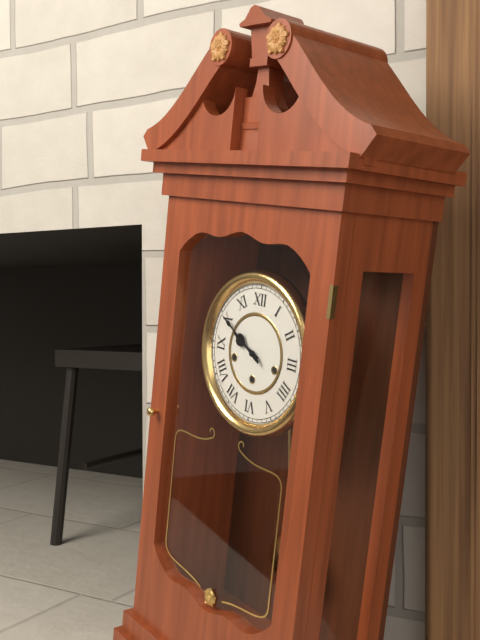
h=9 m=50
